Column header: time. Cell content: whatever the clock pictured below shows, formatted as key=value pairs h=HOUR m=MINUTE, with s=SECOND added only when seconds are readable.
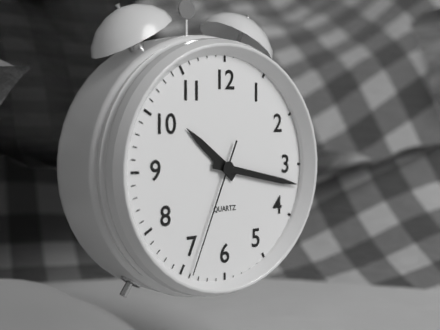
h=10 m=17 s=34
